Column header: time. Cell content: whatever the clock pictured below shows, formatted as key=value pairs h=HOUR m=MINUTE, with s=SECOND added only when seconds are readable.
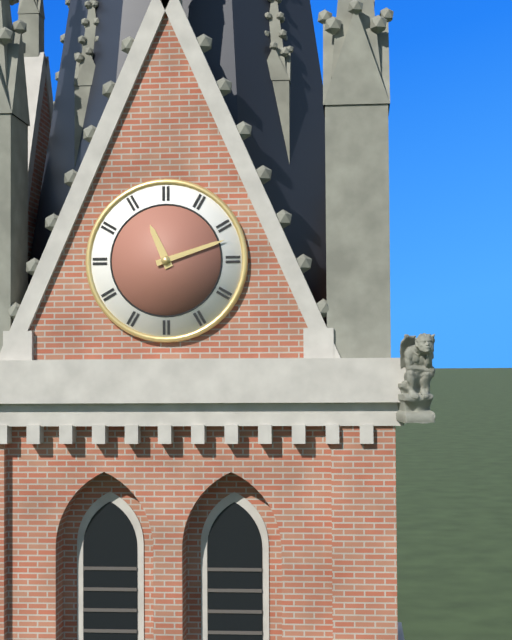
h=11 m=12
